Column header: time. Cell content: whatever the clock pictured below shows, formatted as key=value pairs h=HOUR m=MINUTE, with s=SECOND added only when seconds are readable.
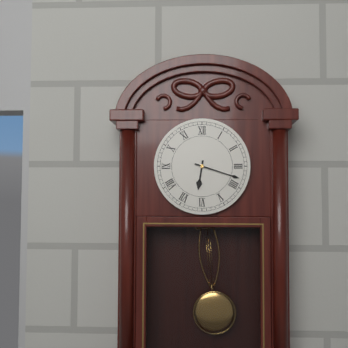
h=6 m=18
